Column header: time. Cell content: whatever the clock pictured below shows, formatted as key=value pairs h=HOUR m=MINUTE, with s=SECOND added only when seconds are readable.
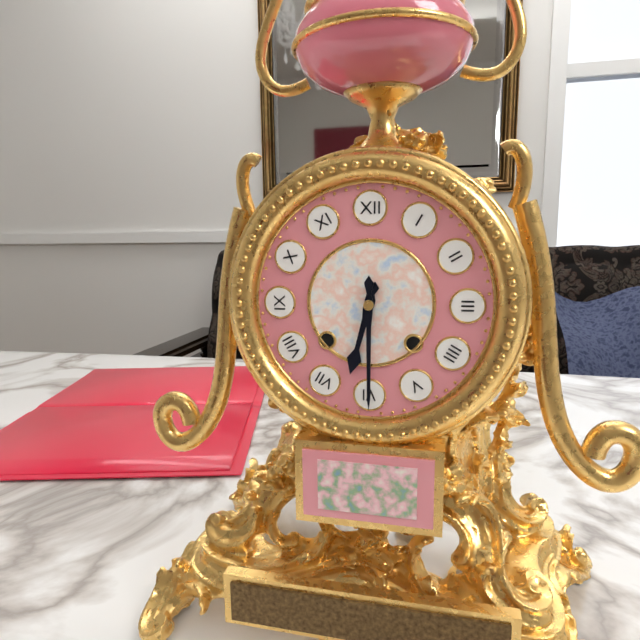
h=6 m=30
